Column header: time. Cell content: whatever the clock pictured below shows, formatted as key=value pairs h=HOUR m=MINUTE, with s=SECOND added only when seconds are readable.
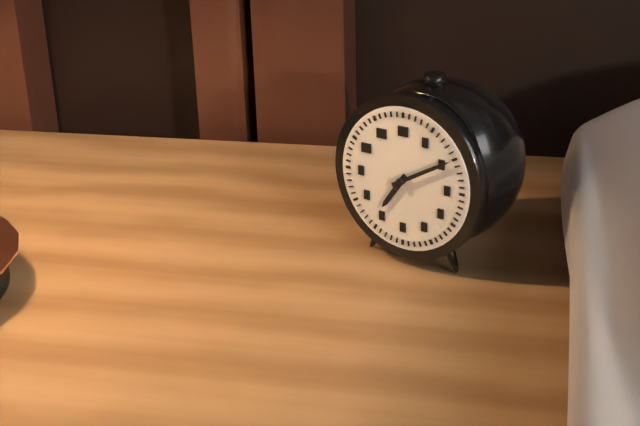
h=7 m=10
